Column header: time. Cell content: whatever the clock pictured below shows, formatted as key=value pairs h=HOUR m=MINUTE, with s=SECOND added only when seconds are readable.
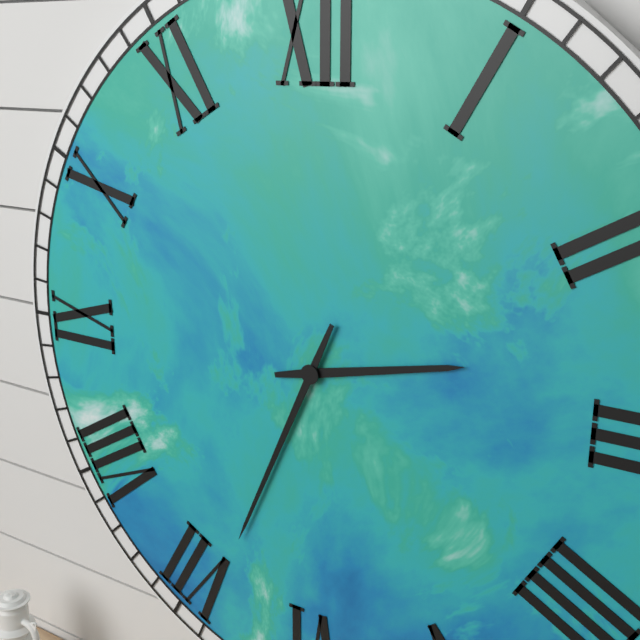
h=2 m=34
